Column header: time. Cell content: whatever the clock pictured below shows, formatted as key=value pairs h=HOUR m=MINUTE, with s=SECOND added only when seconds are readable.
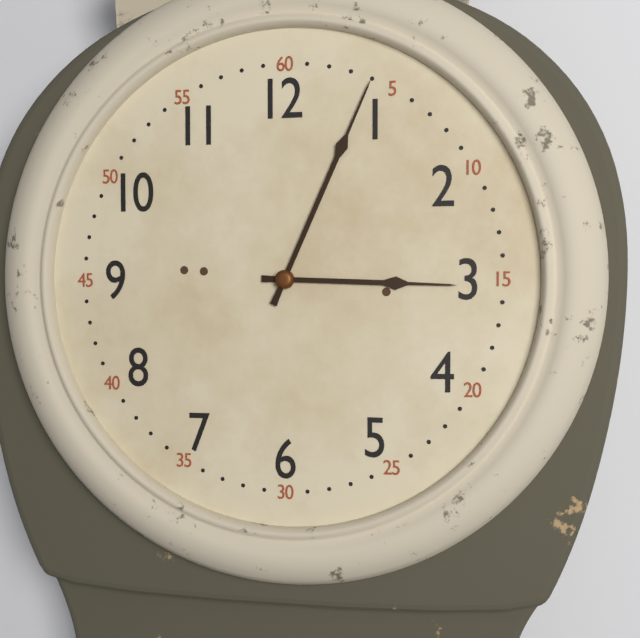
h=3 m=4
